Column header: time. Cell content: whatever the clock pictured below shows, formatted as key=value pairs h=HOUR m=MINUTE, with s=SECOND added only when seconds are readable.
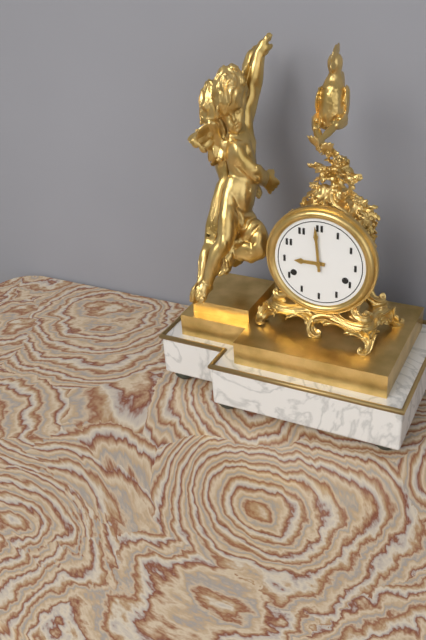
h=8 m=59
